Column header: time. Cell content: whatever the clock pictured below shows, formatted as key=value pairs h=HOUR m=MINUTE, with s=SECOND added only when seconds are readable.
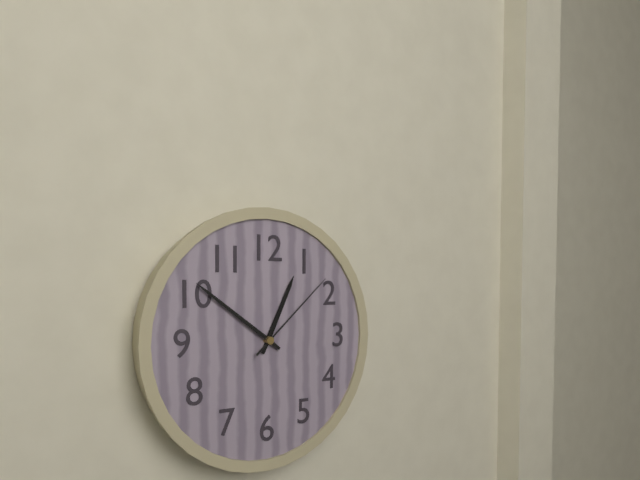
h=12 m=51 s=8
